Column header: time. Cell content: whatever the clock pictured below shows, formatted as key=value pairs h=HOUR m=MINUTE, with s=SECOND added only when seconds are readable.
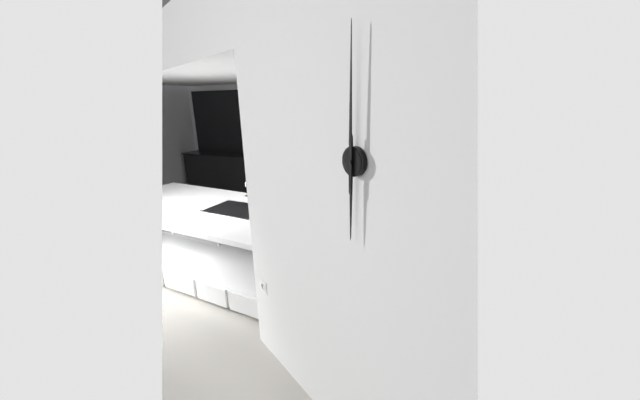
h=6 m=0
